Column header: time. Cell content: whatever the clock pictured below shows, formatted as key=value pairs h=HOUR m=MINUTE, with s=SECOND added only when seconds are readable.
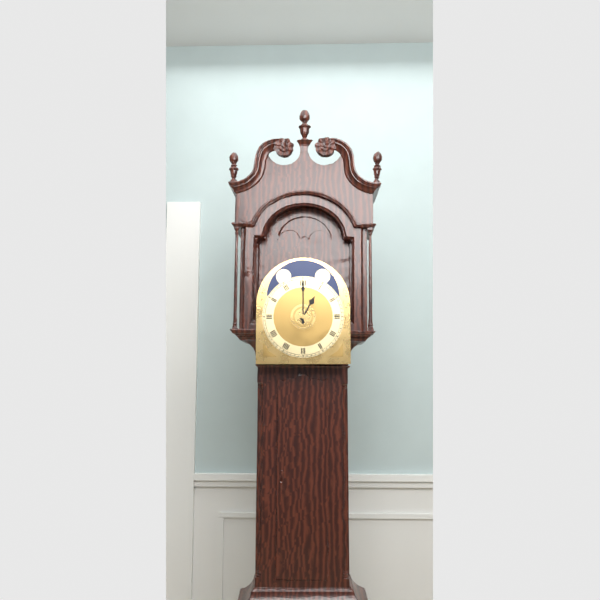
h=1 m=0
